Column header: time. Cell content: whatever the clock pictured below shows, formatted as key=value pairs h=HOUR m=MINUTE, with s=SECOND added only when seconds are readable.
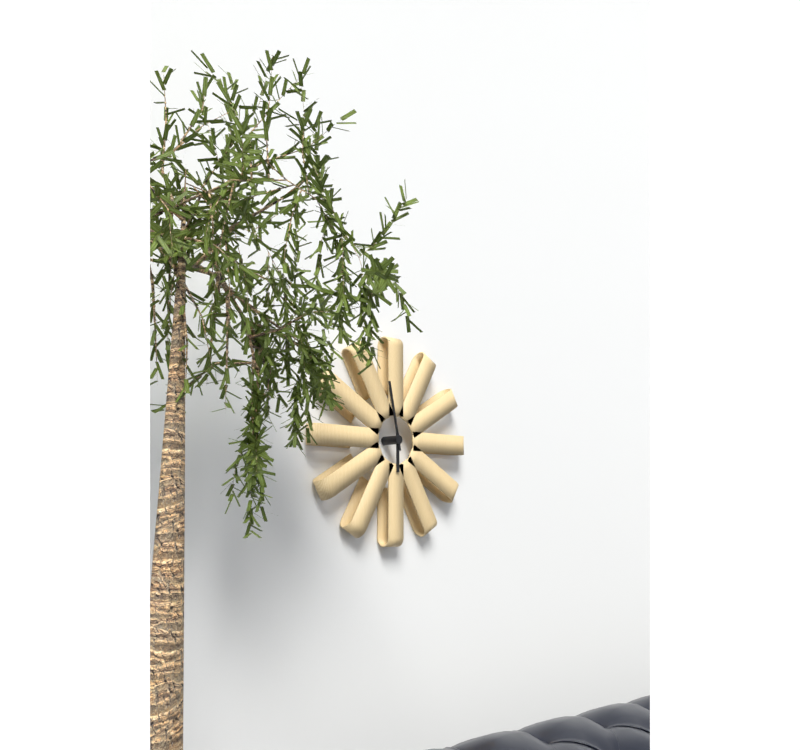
h=5 m=58
